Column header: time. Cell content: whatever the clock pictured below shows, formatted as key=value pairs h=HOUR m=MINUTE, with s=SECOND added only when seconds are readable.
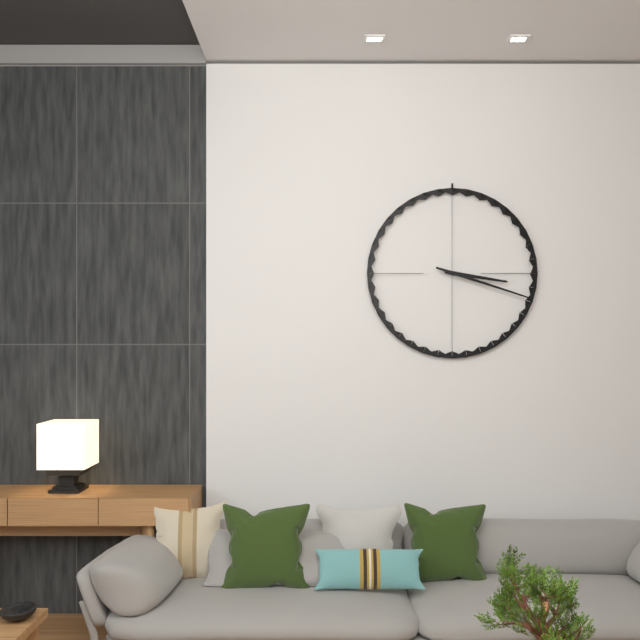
h=3 m=18
